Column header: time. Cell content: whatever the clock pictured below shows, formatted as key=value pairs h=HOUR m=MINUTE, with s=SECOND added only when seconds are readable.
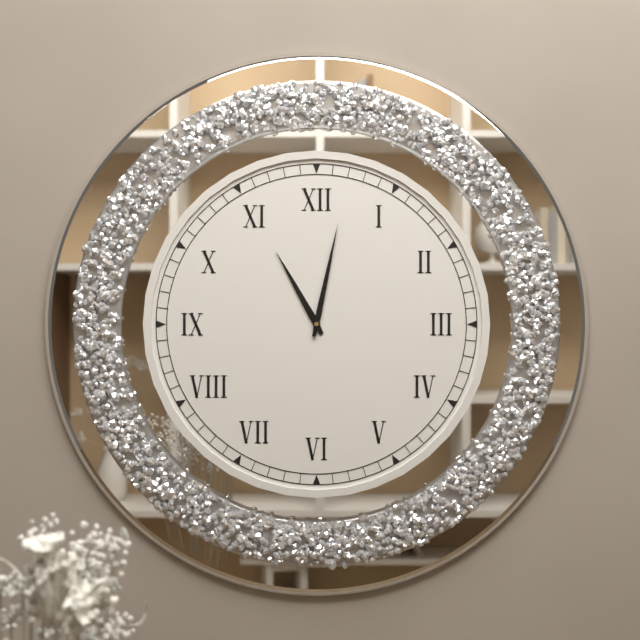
h=11 m=2
